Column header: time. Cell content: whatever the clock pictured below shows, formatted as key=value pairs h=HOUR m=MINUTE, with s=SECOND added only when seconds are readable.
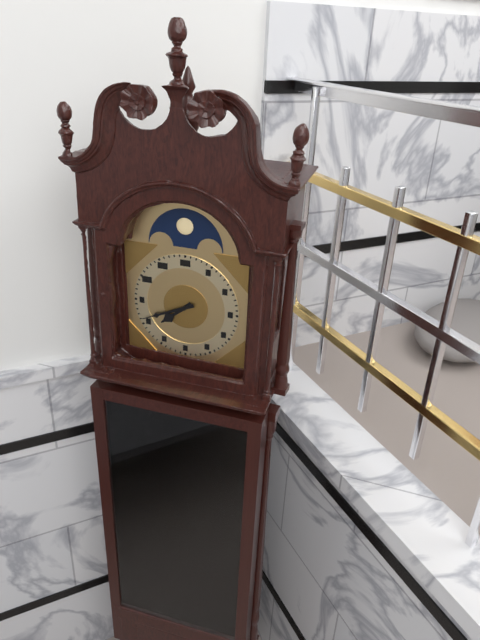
h=7 m=41
